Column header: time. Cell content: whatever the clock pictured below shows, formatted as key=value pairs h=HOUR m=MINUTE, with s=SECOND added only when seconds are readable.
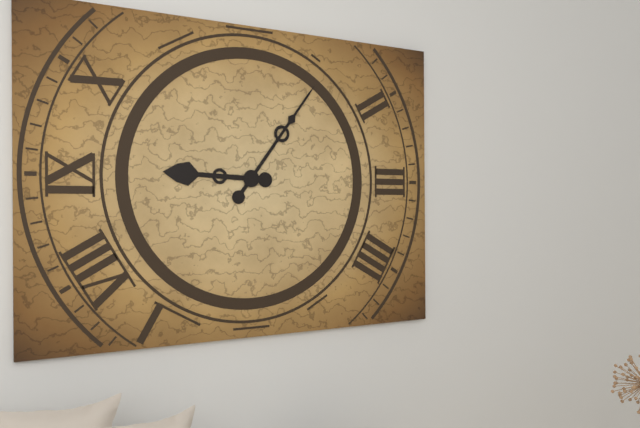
h=9 m=6
